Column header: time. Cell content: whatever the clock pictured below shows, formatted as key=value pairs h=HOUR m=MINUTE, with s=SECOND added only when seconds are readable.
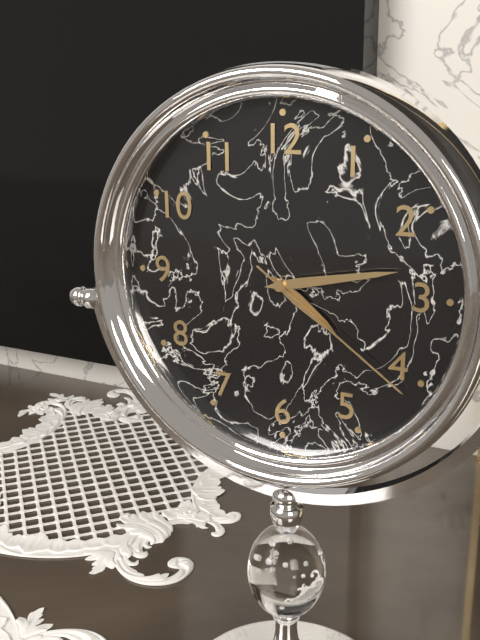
h=4 m=13 s=21
